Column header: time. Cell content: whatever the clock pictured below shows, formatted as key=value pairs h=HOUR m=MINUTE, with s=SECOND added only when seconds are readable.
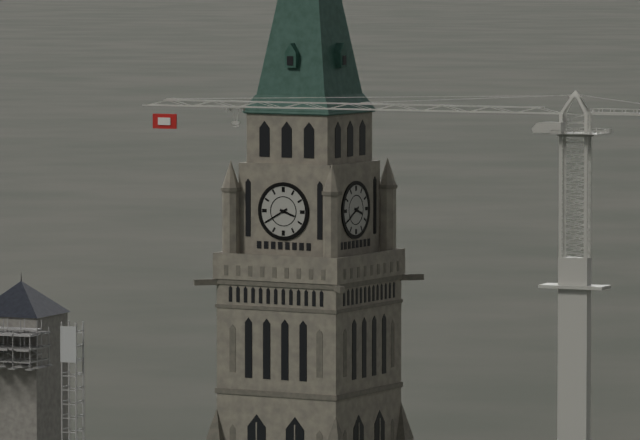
h=3 m=40
